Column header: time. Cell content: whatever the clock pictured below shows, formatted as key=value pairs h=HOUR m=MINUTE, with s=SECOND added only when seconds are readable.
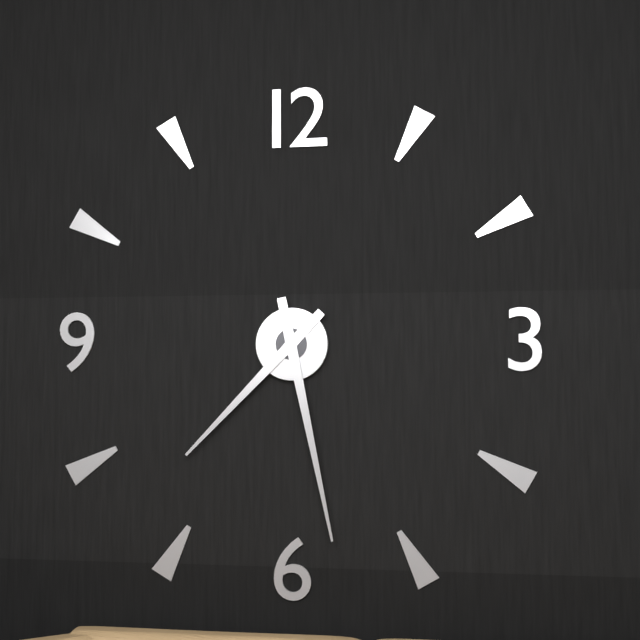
h=7 m=28
